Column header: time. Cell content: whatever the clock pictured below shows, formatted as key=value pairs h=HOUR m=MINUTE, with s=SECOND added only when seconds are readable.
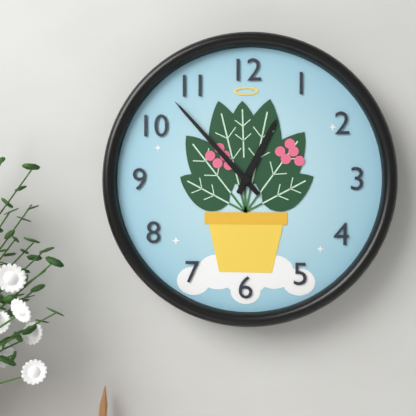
h=12 m=53
